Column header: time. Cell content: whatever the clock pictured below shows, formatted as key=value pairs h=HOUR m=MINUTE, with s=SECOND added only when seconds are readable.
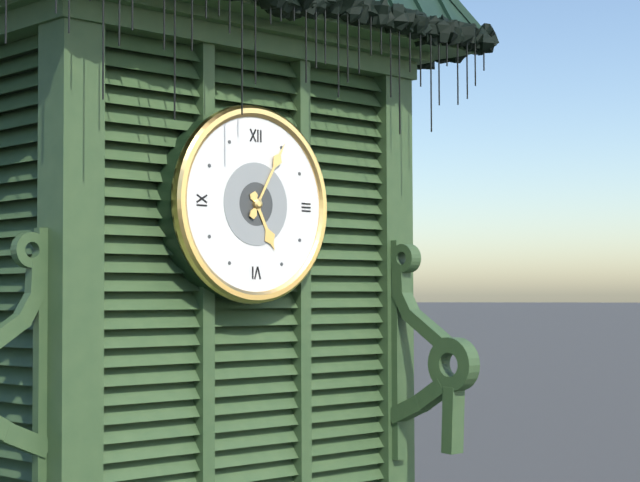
h=5 m=5
